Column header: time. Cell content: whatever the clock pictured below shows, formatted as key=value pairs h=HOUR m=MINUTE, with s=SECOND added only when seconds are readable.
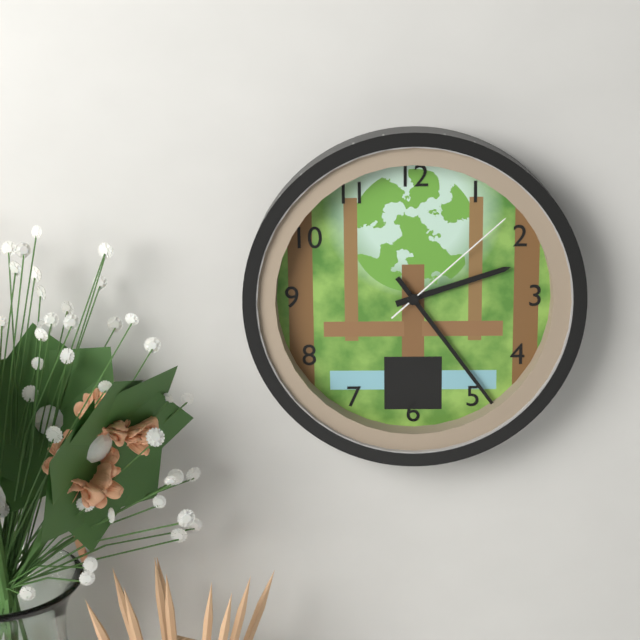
h=2 m=24 s=8
